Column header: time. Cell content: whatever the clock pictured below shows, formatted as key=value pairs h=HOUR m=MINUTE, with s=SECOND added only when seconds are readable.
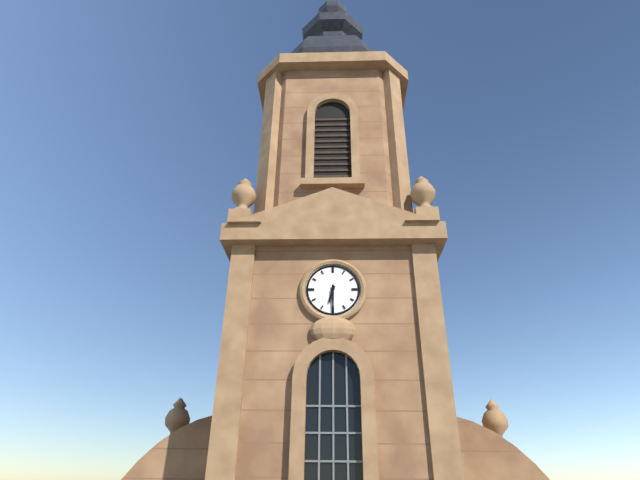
h=6 m=30
